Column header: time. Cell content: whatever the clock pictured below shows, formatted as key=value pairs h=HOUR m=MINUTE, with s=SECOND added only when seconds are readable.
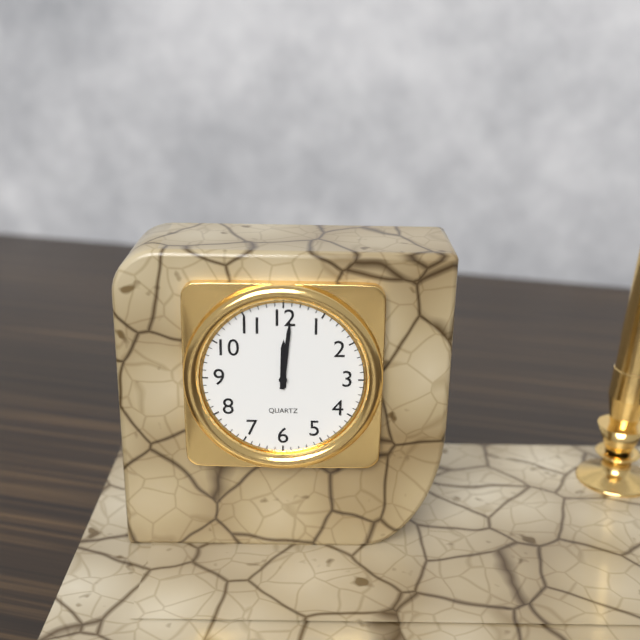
h=12 m=1
